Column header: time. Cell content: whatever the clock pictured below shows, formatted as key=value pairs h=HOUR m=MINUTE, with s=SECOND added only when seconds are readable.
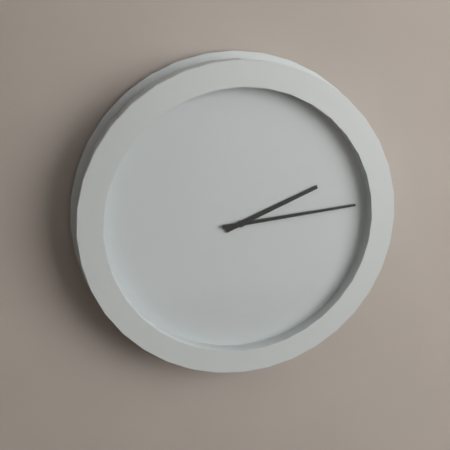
h=2 m=14
